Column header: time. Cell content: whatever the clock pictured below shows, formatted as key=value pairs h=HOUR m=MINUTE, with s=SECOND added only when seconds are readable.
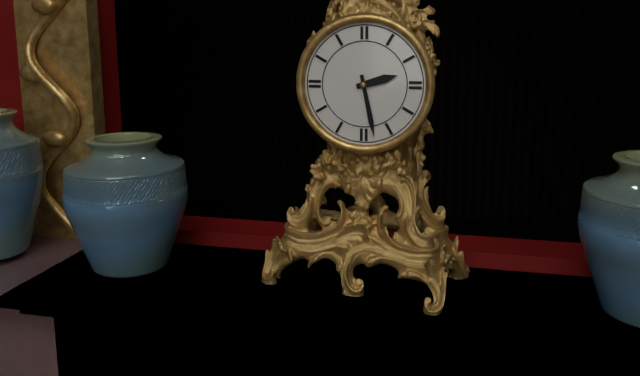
h=2 m=28
